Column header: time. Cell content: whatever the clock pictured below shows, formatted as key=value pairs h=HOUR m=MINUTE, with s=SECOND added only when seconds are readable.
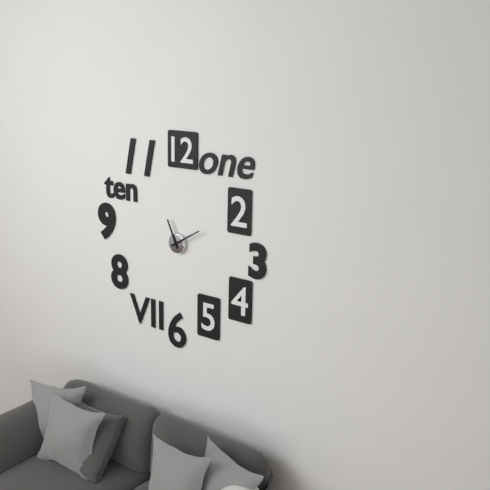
h=11 m=10
